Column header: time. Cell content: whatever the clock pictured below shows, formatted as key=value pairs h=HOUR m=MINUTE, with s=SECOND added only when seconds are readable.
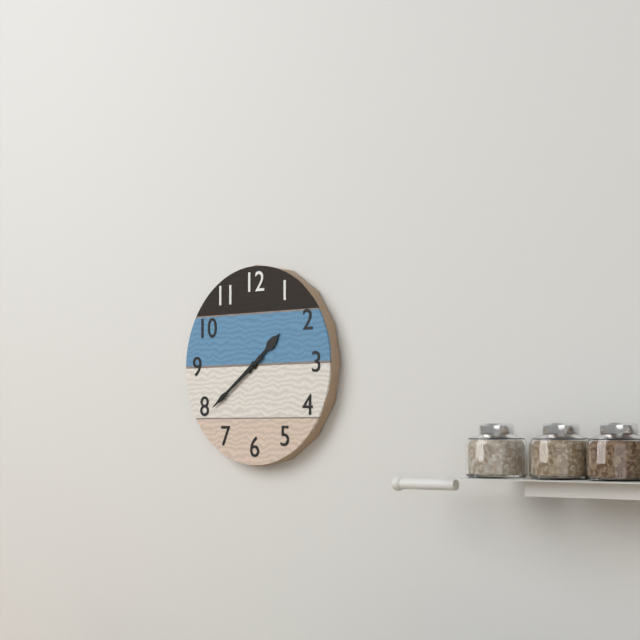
h=1 m=39
